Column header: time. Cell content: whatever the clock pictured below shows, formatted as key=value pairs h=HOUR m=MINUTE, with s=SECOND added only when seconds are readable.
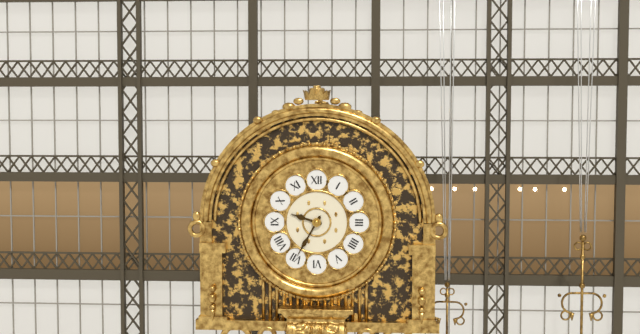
h=9 m=35
